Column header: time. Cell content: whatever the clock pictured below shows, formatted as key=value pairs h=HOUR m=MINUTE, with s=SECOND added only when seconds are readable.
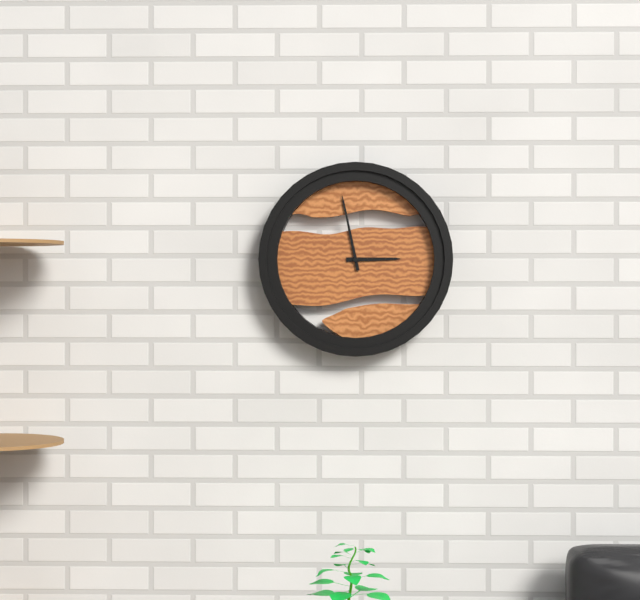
h=2 m=58
